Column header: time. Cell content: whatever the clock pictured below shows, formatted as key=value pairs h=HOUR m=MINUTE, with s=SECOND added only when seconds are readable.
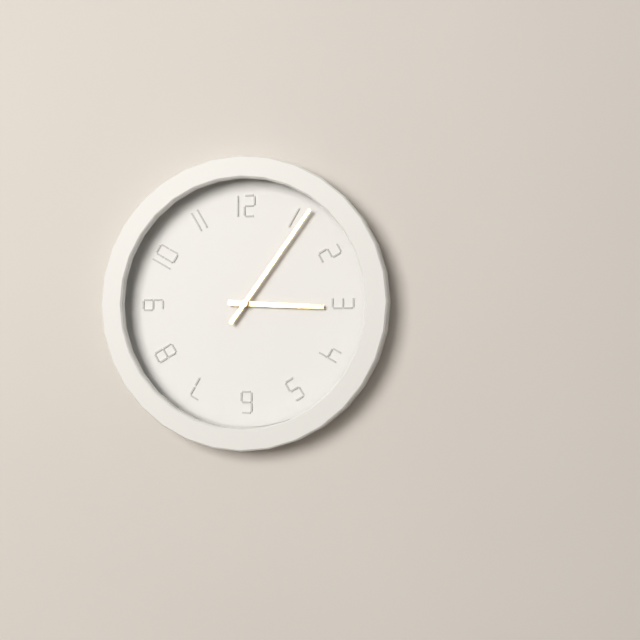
h=3 m=6
